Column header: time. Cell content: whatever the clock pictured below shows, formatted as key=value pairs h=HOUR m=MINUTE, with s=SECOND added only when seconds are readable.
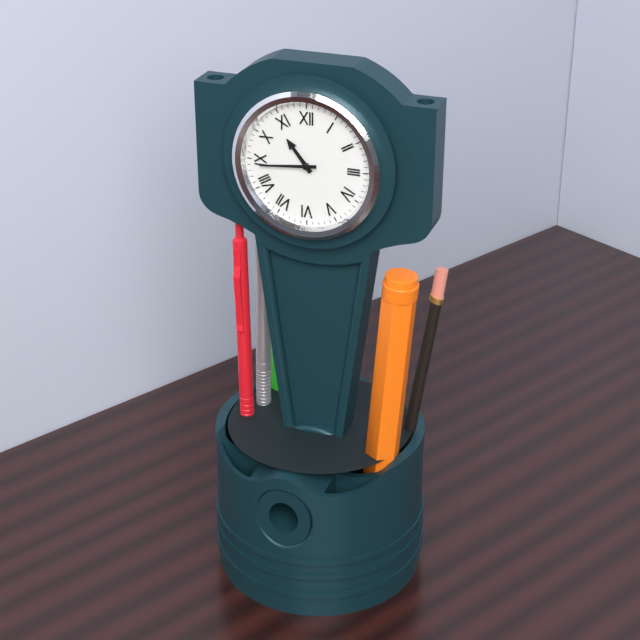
h=10 m=44
